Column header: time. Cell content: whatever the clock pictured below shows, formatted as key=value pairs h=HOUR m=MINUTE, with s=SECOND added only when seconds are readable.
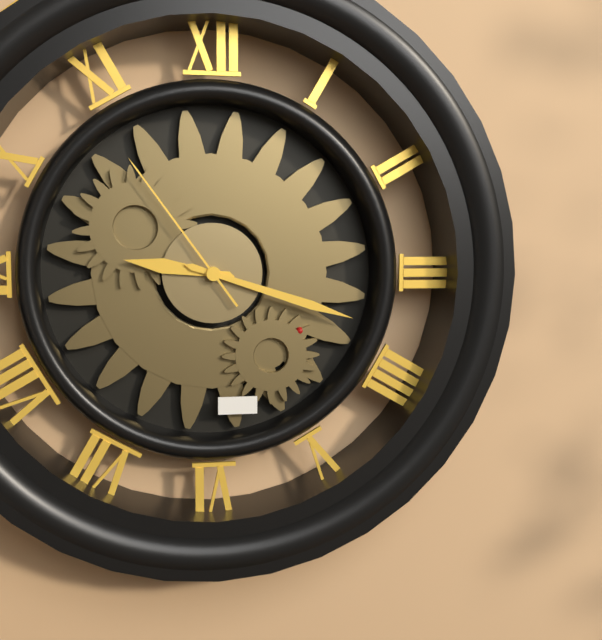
h=9 m=18 s=54
